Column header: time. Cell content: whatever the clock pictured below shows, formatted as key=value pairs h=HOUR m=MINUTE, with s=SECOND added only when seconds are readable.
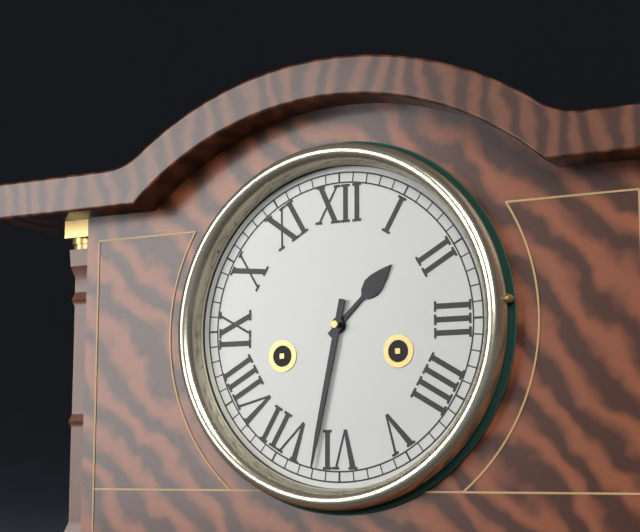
h=1 m=32
